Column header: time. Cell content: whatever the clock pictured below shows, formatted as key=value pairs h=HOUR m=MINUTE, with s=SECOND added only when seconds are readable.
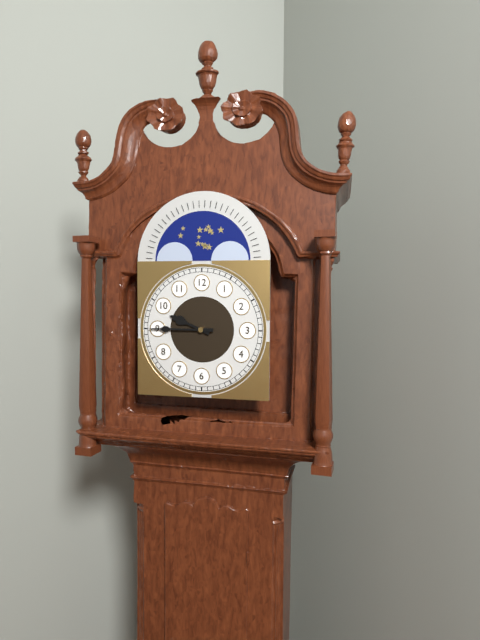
h=9 m=45
